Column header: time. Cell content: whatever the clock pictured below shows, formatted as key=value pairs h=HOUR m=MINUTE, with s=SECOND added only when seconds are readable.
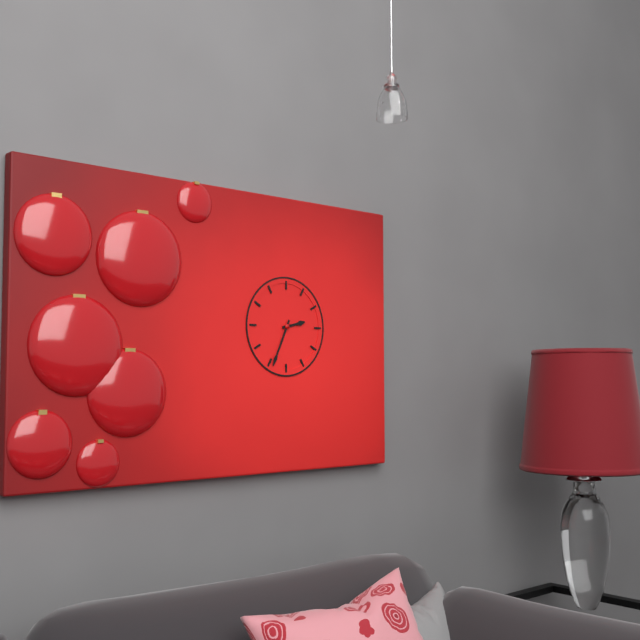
h=2 m=34
